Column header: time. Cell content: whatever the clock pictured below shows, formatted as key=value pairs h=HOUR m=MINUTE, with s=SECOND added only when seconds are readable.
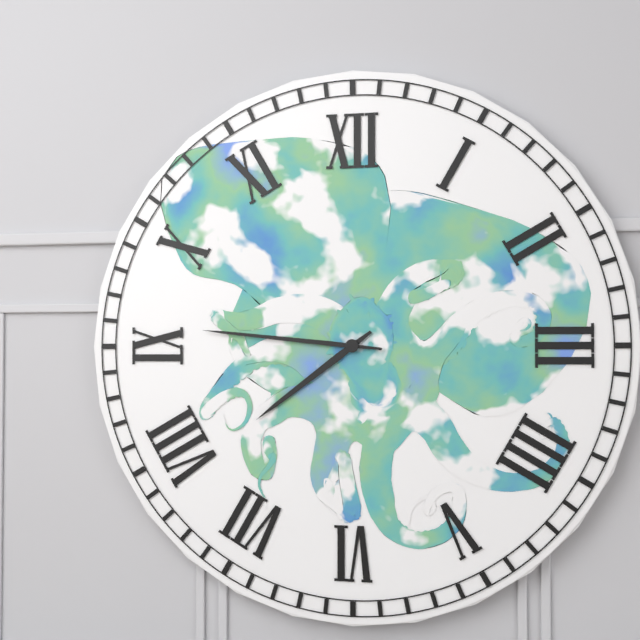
h=7 m=46
